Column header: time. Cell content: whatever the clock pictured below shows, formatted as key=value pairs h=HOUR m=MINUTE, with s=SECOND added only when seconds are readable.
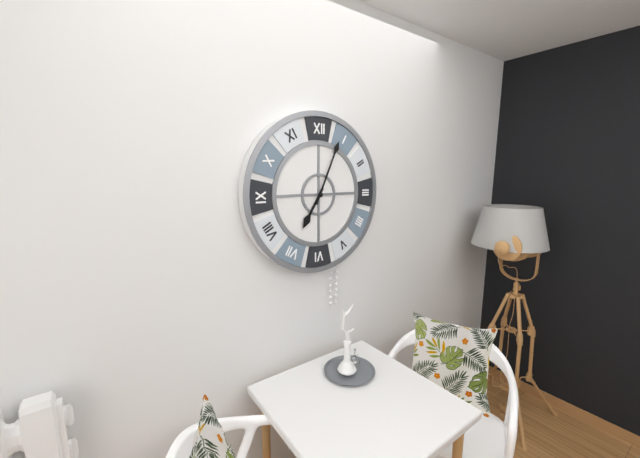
h=7 m=4
